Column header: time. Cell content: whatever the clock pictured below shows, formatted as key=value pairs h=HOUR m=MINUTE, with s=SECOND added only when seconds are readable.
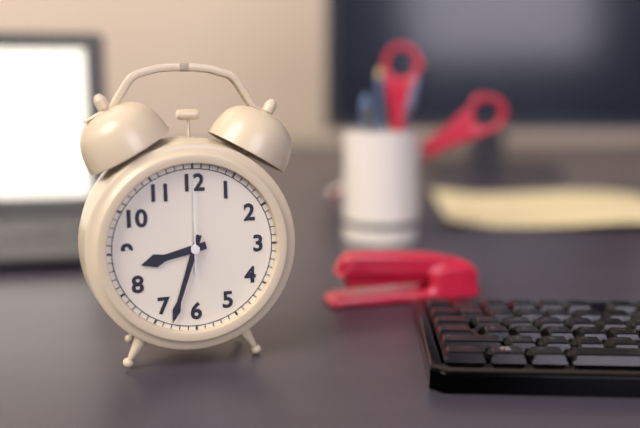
h=8 m=33 s=0
